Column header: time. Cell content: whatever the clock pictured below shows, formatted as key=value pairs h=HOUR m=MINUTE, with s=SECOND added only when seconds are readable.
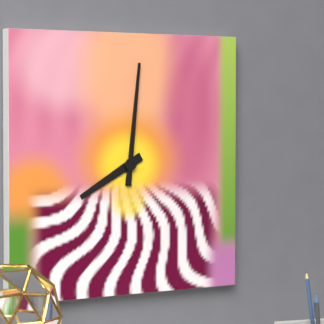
h=8 m=1
